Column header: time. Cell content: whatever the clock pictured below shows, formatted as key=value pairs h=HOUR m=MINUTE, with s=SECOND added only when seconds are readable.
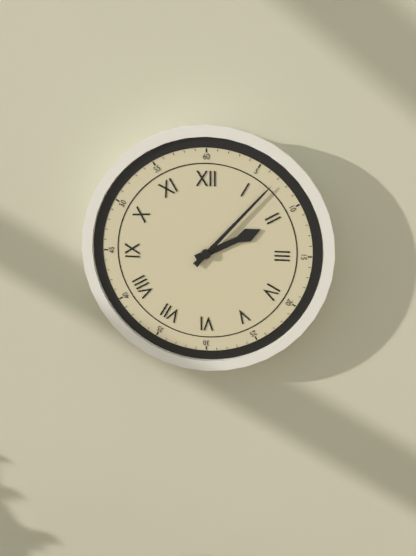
h=2 m=7
